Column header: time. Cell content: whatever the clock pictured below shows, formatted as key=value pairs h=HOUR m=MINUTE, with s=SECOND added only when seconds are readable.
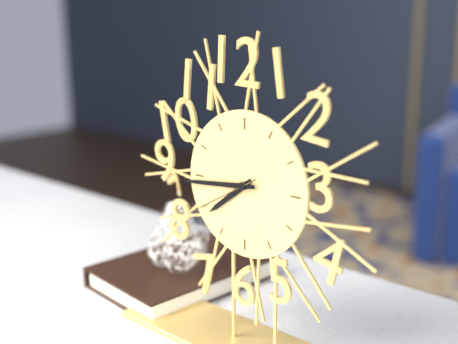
h=7 m=44 s=40
